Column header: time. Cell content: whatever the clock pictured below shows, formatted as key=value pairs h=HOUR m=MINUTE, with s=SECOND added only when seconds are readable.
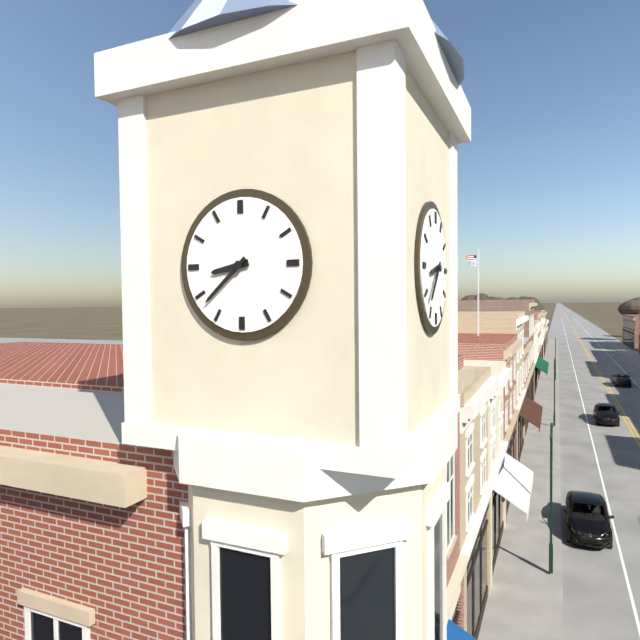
h=8 m=38
